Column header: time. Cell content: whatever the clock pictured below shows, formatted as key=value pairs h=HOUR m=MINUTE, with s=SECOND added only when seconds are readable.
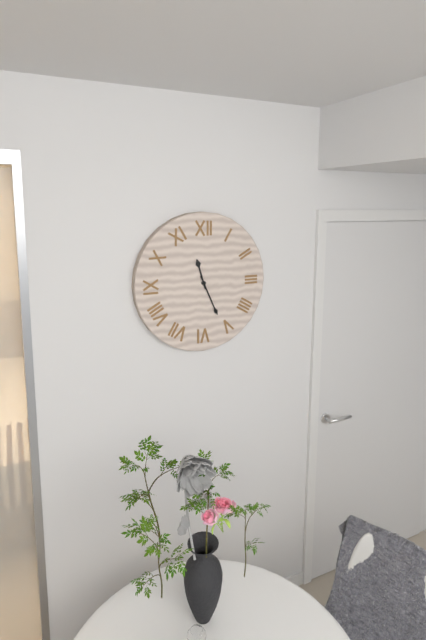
h=11 m=26
